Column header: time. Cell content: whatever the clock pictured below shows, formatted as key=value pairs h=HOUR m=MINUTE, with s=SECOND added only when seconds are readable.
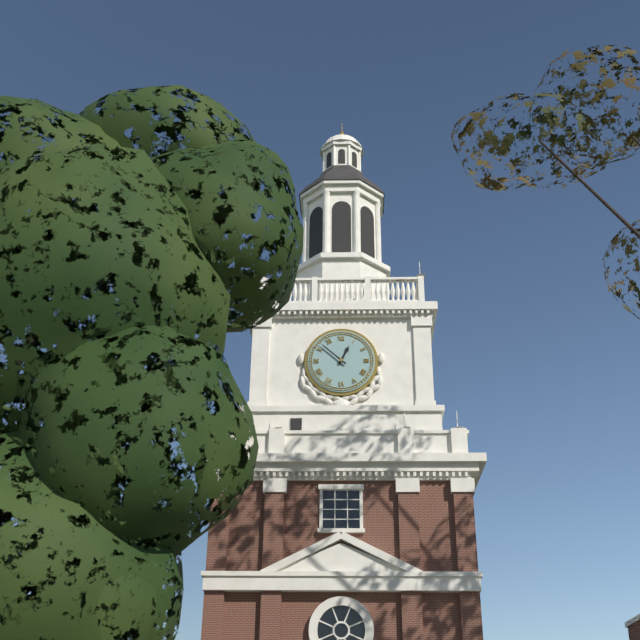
h=12 m=52
